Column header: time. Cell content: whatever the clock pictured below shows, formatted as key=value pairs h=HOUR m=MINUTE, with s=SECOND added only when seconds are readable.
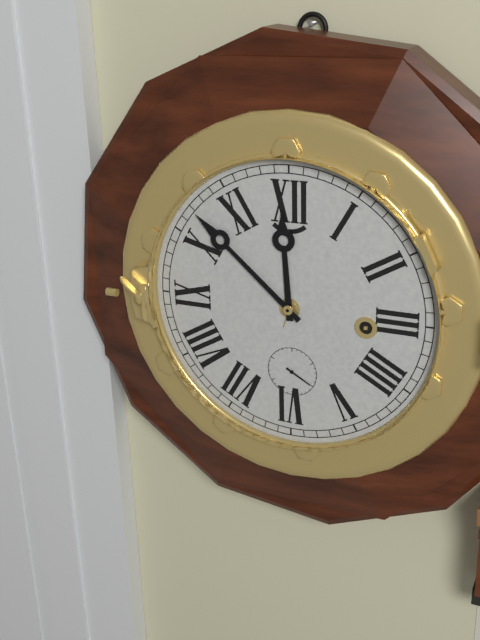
h=11 m=52 s=20
